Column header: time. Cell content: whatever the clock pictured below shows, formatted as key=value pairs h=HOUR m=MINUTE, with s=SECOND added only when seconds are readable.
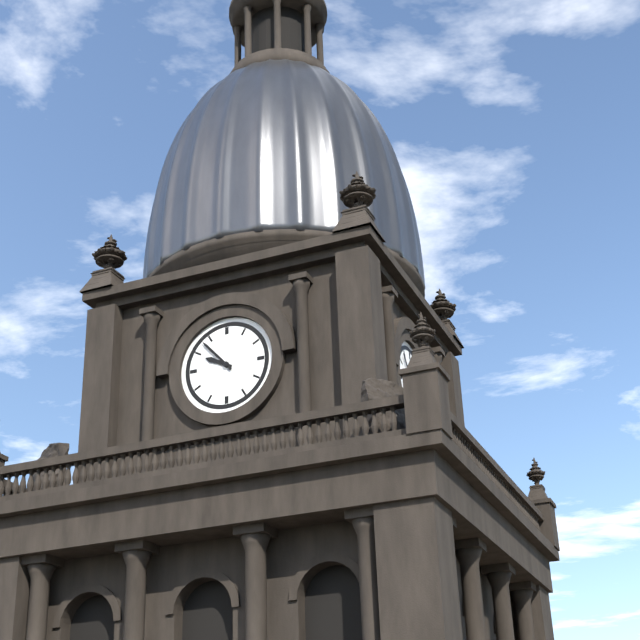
h=9 m=53
